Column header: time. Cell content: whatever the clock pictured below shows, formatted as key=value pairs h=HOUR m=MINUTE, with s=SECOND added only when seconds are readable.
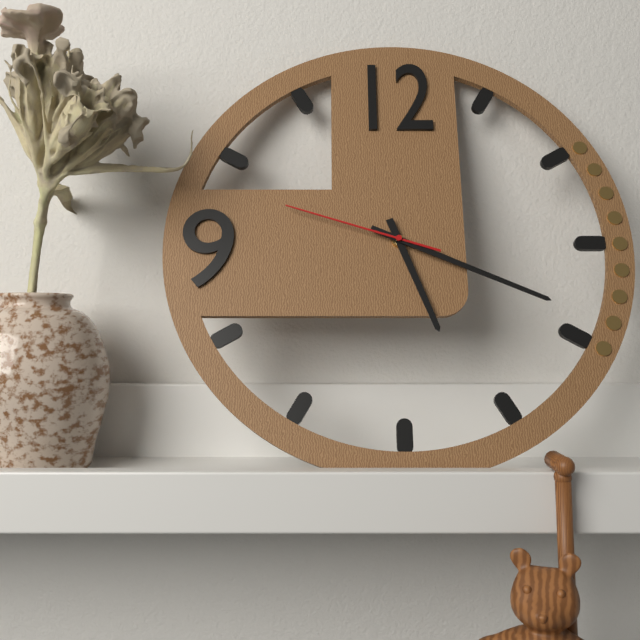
h=5 m=19 s=48
